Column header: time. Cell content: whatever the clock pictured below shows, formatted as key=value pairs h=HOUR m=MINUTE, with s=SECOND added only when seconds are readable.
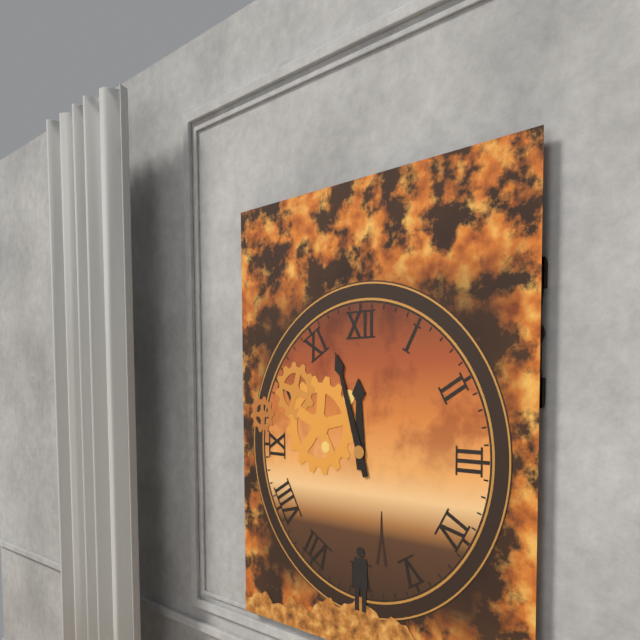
h=11 m=57
